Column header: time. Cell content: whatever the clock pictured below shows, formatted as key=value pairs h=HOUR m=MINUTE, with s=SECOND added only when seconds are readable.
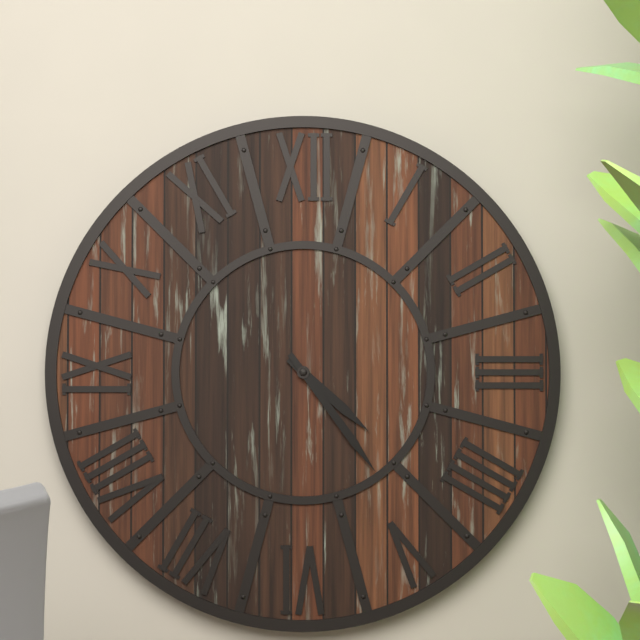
h=4 m=24
